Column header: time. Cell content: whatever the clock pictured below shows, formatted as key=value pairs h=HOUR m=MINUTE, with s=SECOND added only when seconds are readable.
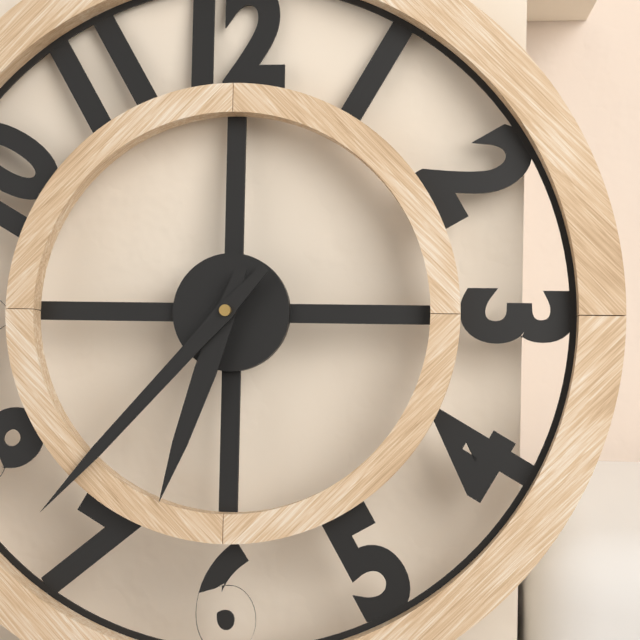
h=6 m=37
